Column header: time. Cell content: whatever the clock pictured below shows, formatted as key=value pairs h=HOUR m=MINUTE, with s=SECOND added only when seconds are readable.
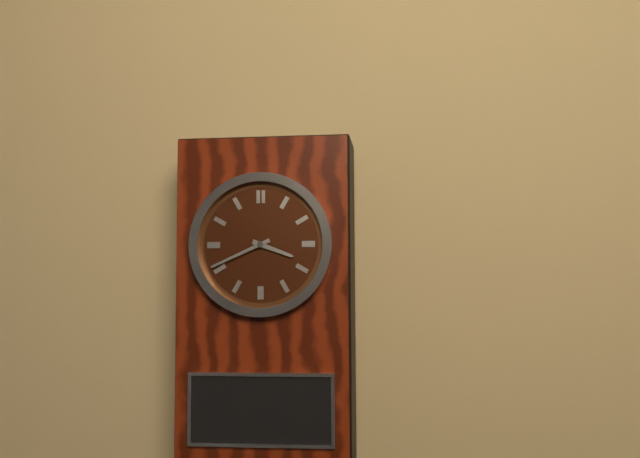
h=3 m=41
